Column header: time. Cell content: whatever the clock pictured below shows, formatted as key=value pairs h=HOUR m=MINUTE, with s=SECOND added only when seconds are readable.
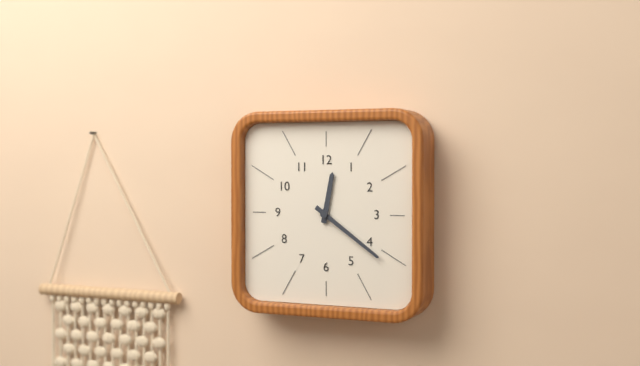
h=12 m=21
